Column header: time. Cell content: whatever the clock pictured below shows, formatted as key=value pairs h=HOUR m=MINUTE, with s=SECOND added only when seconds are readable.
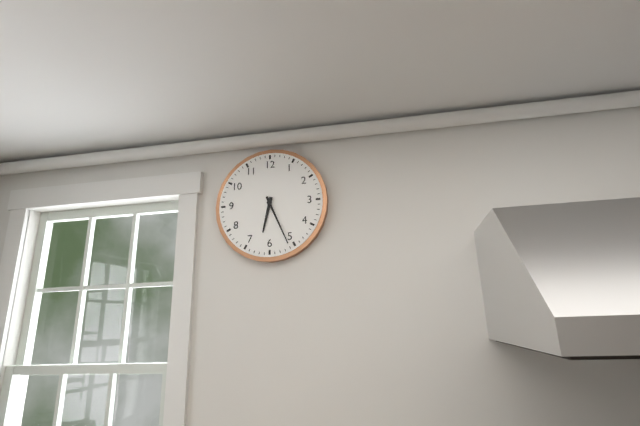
h=6 m=26
